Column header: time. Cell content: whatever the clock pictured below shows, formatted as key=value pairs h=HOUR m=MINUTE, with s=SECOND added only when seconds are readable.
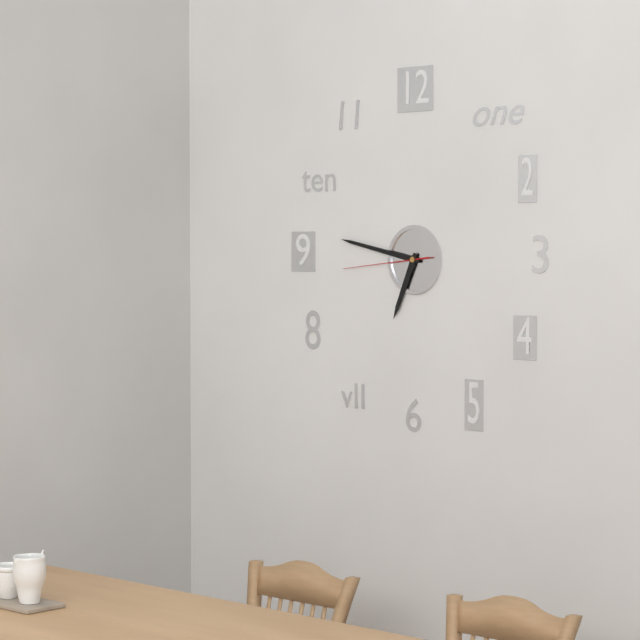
h=6 m=47 s=44
